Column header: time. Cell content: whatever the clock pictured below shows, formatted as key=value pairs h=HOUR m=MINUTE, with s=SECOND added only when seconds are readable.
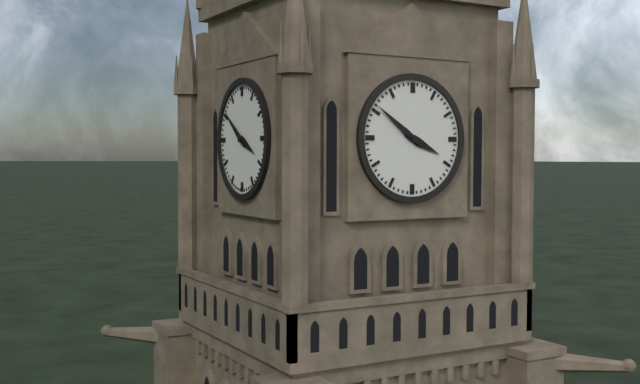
h=3 m=51
